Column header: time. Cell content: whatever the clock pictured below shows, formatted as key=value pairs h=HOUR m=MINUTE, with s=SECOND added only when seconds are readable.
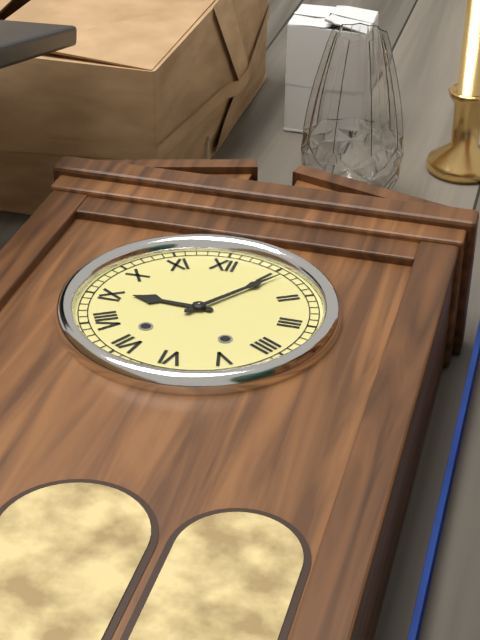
h=9 m=6
